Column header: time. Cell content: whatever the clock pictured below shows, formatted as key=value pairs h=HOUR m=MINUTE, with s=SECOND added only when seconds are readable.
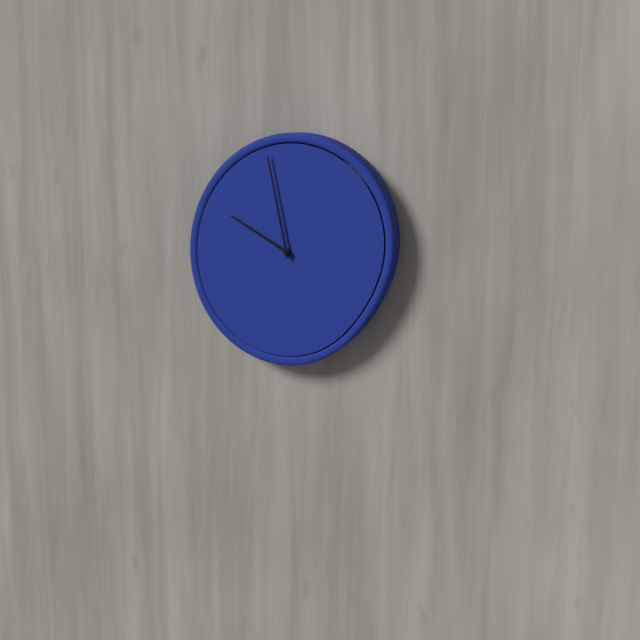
h=9 m=58
